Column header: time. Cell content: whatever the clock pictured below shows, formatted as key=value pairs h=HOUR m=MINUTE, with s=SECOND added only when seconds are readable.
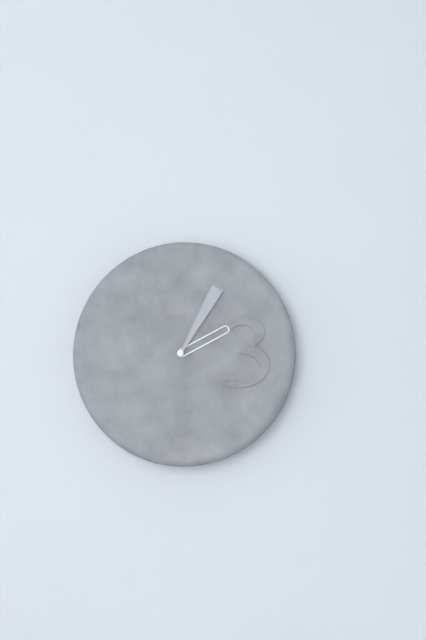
h=2 m=5
